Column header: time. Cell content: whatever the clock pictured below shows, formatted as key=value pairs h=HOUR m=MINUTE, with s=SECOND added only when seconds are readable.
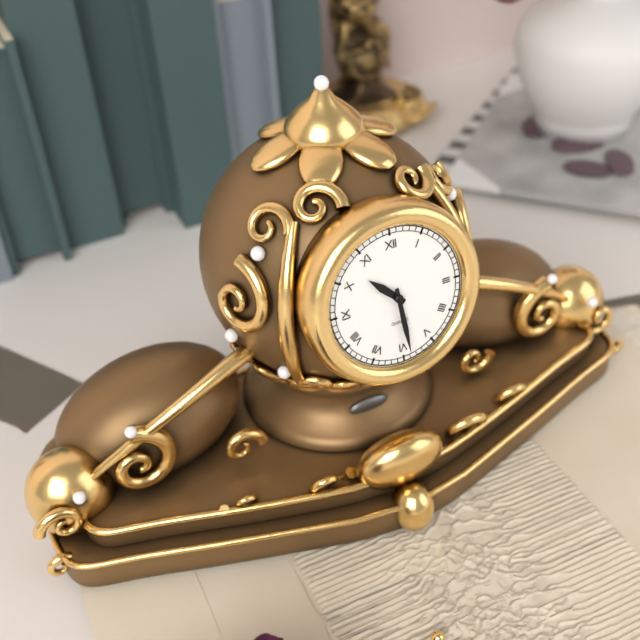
h=10 m=29
